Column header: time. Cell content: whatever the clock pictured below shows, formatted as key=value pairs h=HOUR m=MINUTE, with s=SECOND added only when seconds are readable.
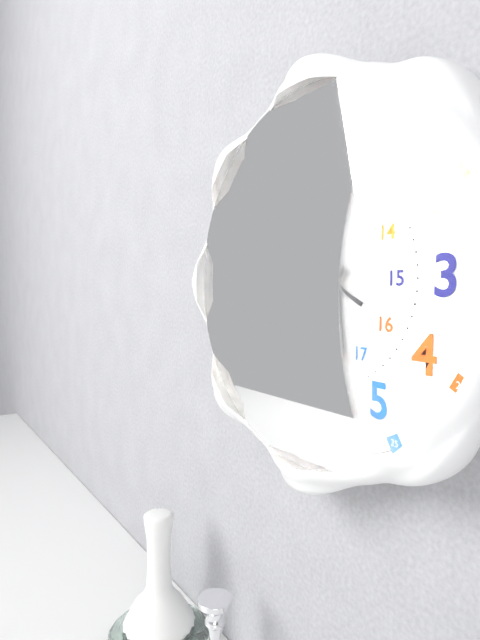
h=5 m=39 s=49
